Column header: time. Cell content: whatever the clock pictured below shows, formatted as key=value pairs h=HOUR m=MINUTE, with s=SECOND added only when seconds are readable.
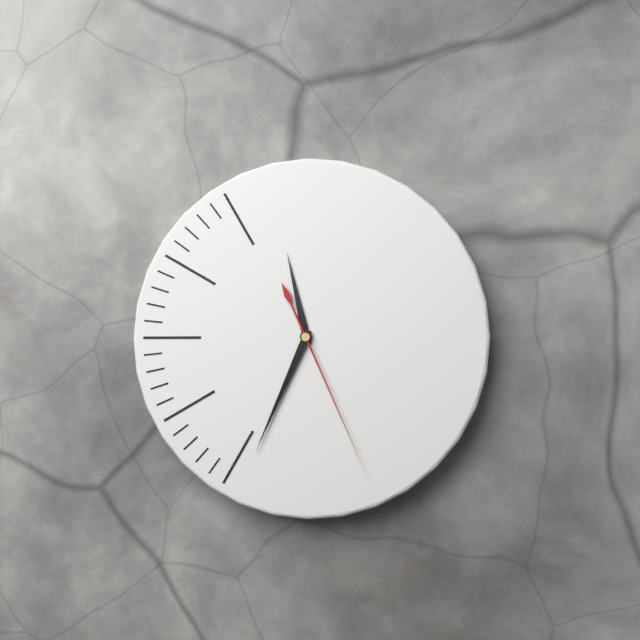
h=11 m=34 s=26
